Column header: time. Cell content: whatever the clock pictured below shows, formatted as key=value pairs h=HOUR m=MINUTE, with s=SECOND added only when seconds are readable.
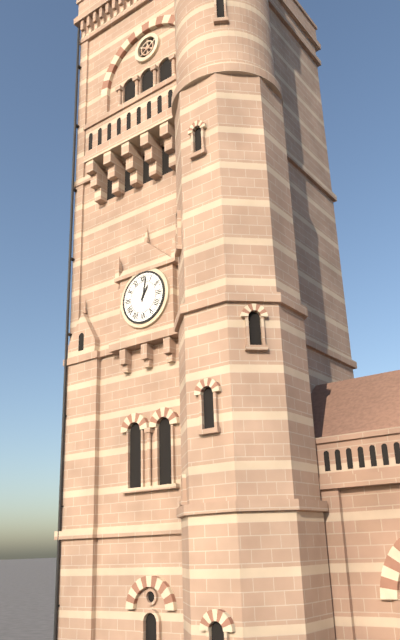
h=1 m=2
